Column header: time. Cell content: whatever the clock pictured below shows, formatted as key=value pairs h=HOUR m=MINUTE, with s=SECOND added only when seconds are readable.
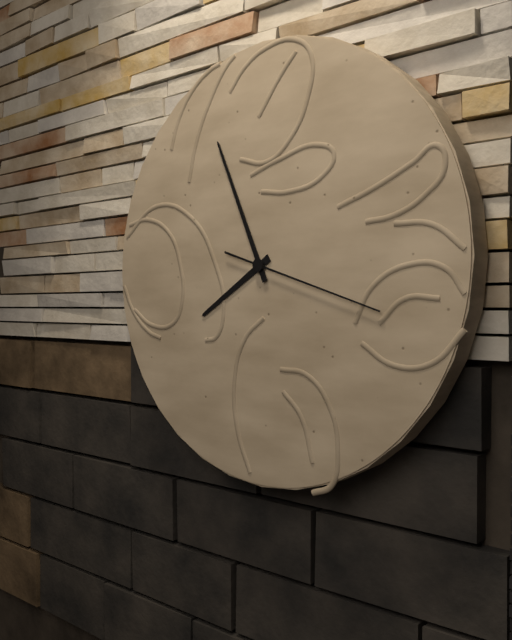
h=7 m=56 s=18
